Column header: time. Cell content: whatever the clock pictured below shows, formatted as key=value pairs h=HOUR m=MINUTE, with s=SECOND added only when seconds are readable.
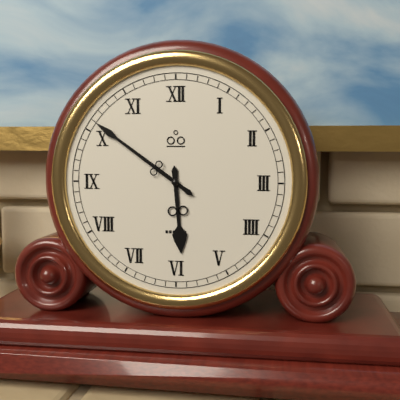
h=5 m=51
